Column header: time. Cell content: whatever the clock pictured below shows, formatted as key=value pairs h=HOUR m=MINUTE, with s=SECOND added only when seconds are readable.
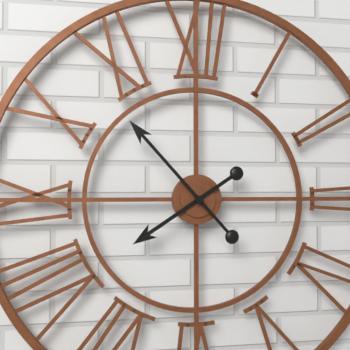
h=7 m=53
